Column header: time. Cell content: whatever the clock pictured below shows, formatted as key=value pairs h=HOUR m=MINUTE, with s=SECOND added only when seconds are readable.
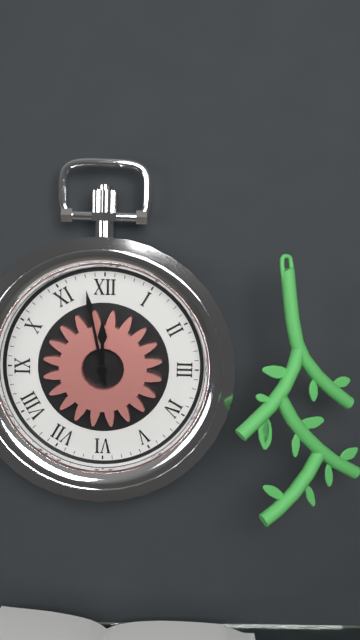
h=11 m=58
